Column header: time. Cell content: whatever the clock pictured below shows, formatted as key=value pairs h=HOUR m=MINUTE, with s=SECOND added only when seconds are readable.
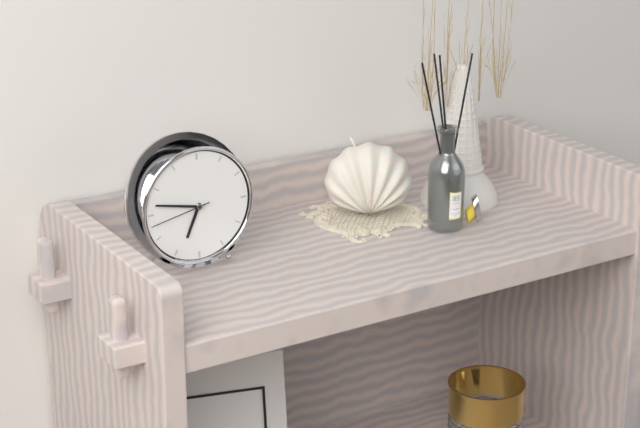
h=6 m=47 s=43
